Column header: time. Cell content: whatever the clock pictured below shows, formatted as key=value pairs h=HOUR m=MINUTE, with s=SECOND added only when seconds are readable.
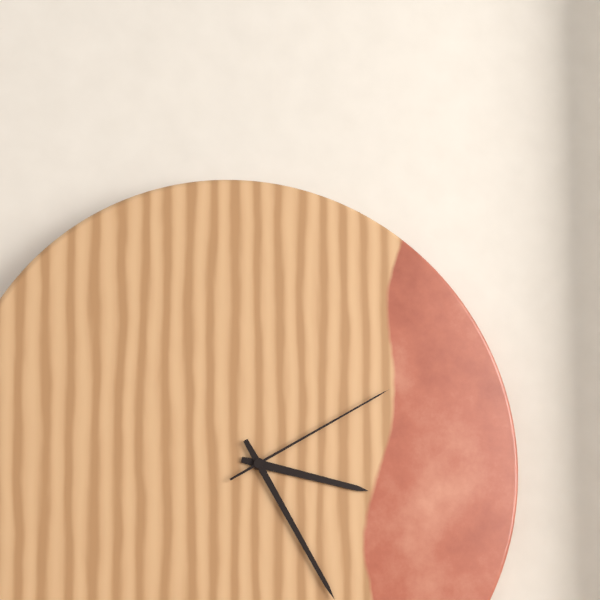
h=3 m=25 s=10
